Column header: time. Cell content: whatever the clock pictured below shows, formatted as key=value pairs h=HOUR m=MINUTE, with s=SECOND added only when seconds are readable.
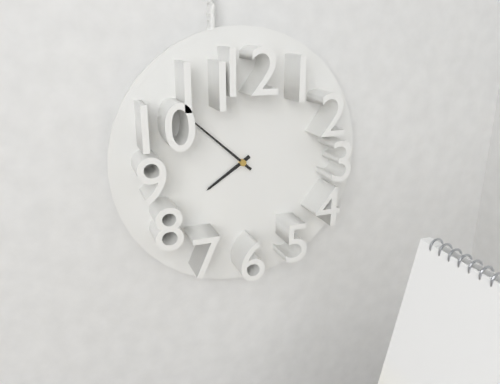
h=7 m=52
